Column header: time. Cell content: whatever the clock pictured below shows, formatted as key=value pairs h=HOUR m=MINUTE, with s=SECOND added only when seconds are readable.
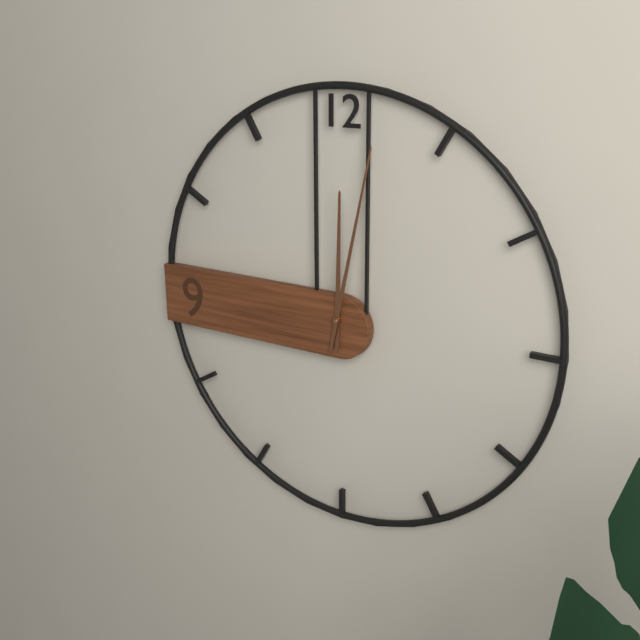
h=12 m=2
